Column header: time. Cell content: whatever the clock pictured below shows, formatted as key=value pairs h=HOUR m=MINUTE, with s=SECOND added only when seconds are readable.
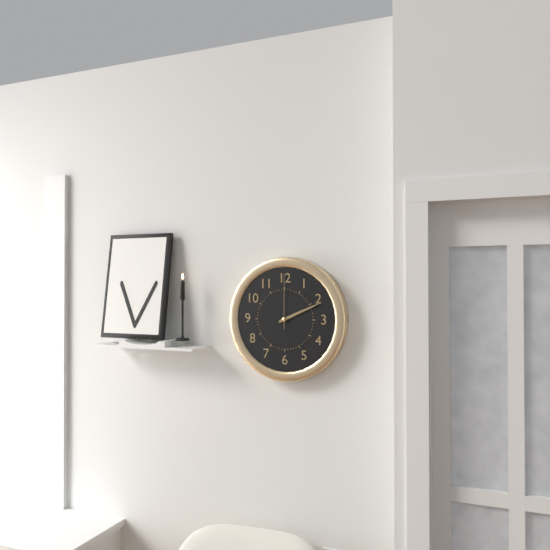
h=2 m=11 s=0
